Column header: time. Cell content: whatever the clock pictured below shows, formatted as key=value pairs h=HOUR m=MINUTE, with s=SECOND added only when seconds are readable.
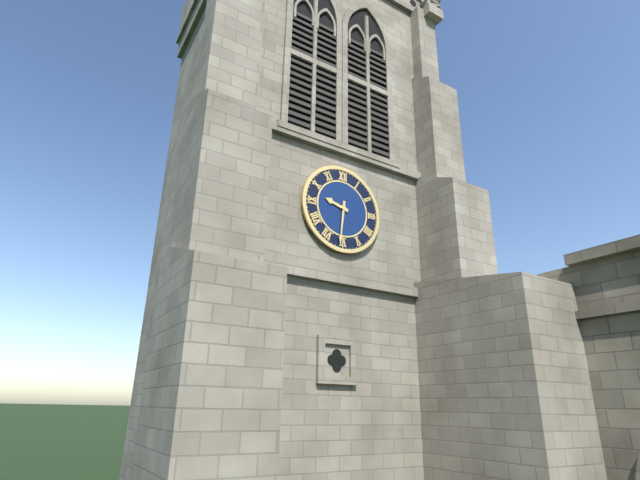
h=9 m=31
